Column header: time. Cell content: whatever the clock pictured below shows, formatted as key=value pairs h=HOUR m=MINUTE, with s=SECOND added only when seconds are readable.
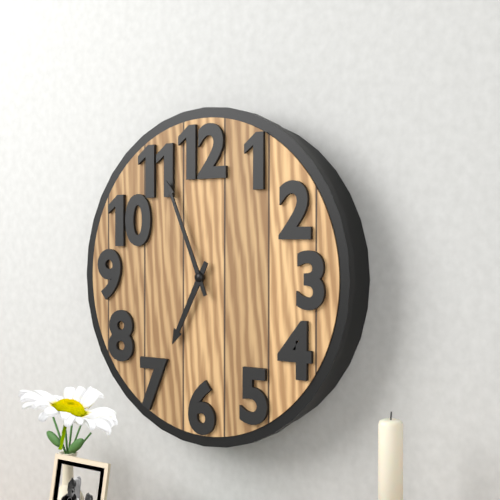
h=6 m=56
